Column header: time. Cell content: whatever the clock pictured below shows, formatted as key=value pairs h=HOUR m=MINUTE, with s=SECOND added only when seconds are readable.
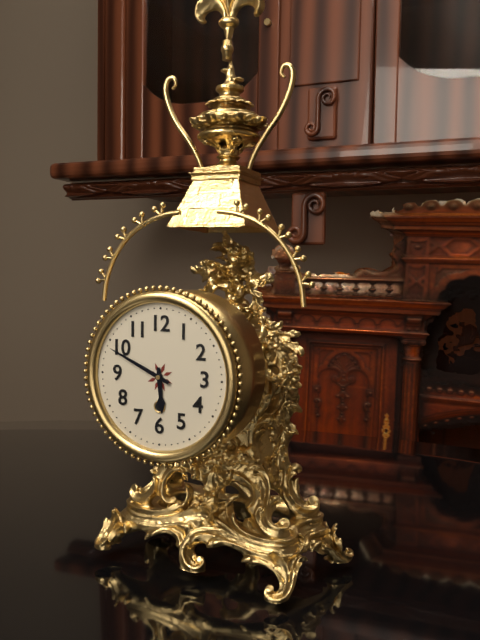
h=5 m=49
